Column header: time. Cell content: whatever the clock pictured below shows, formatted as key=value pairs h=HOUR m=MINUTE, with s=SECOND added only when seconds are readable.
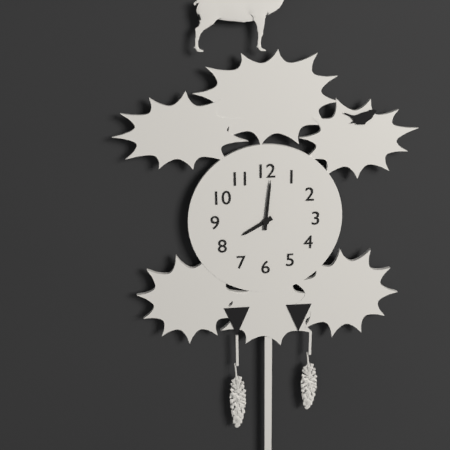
h=8 m=1
